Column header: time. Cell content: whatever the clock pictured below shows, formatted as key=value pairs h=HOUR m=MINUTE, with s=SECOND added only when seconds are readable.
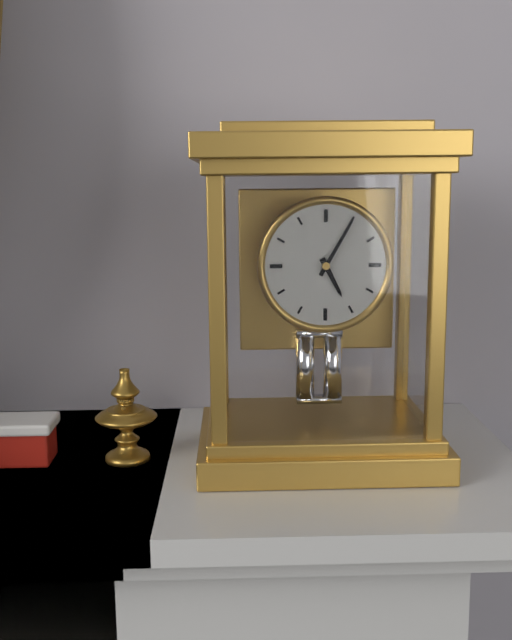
h=5 m=5
